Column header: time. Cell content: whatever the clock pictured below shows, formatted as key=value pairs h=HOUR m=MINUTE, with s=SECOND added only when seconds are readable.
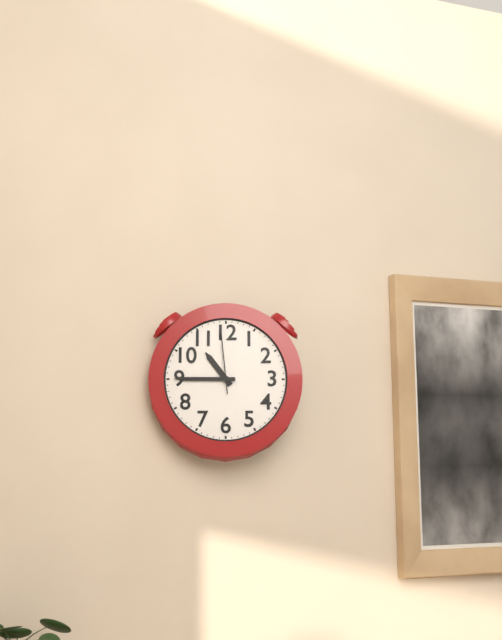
h=10 m=45 s=59
